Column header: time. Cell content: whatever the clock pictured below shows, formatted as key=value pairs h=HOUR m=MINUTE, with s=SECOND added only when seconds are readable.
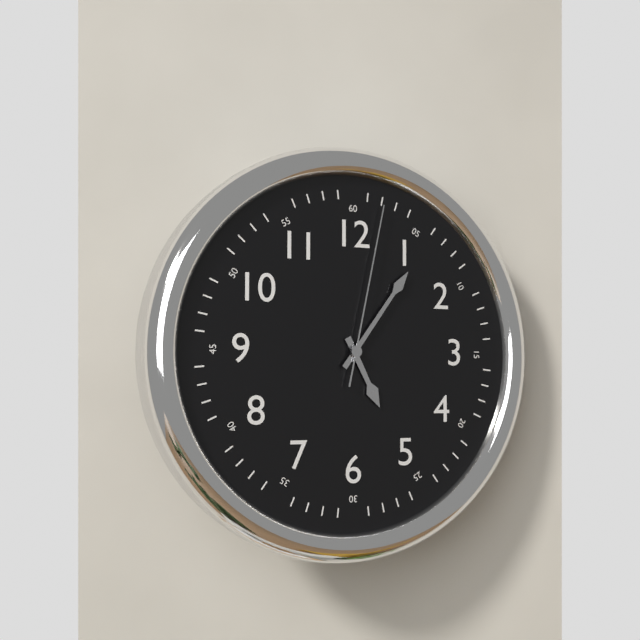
h=5 m=6 s=2
